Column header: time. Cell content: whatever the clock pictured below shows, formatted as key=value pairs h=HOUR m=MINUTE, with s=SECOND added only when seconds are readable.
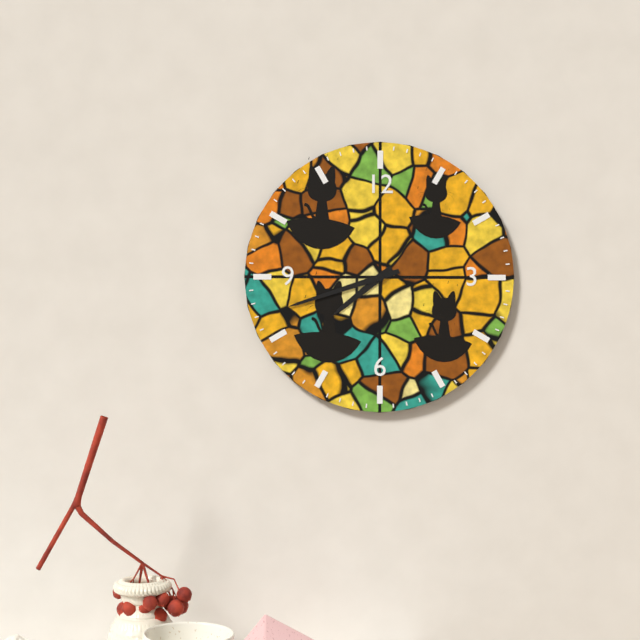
h=7 m=42
